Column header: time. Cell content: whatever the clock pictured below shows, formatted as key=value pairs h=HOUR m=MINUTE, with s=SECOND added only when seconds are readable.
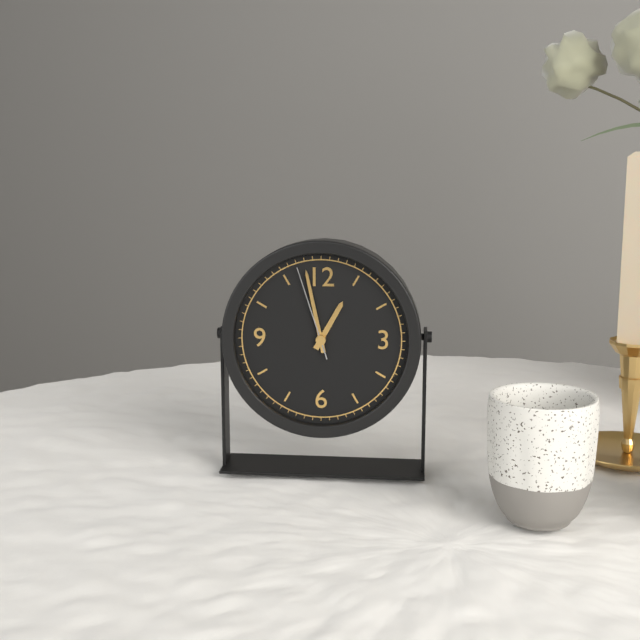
h=12 m=58 s=57
